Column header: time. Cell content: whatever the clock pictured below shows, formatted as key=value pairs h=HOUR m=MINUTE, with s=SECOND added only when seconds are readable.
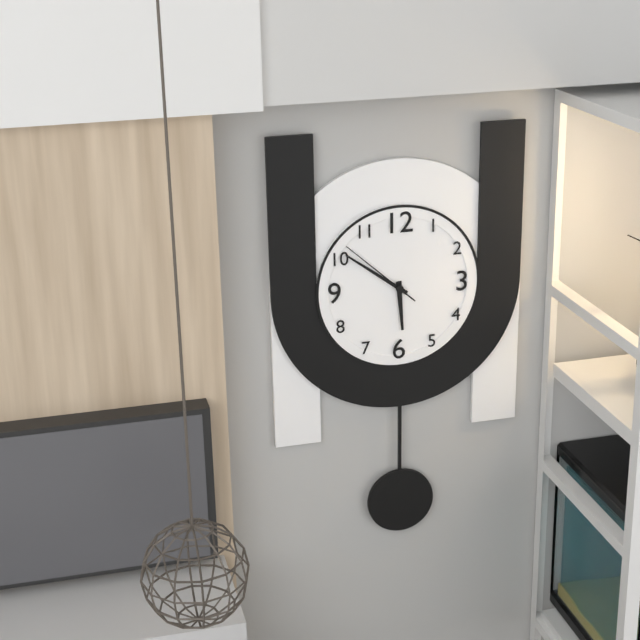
h=5 m=51 s=52
